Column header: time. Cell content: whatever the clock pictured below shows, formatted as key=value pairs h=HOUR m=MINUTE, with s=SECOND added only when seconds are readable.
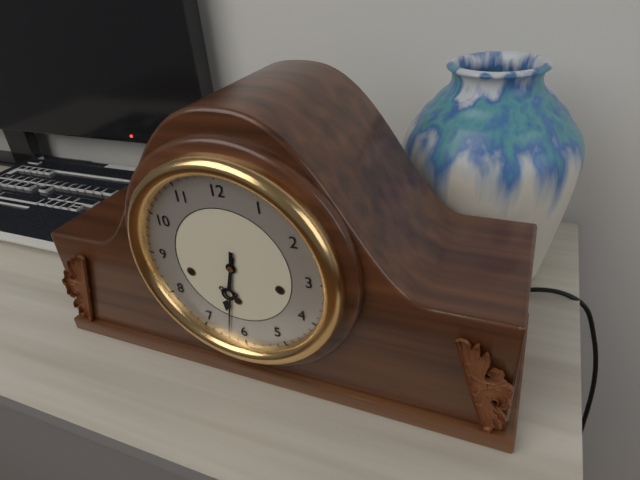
h=6 m=32
